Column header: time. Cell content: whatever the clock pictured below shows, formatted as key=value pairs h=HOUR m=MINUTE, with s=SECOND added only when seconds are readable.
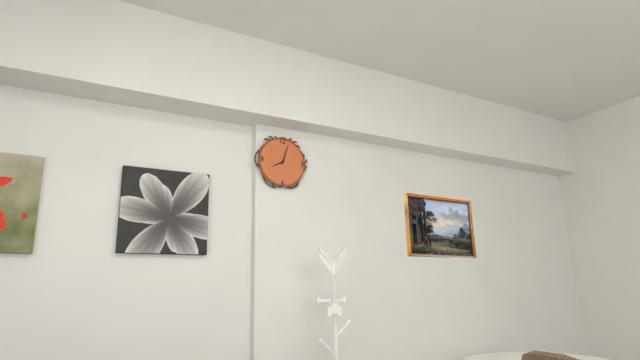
h=8 m=3
